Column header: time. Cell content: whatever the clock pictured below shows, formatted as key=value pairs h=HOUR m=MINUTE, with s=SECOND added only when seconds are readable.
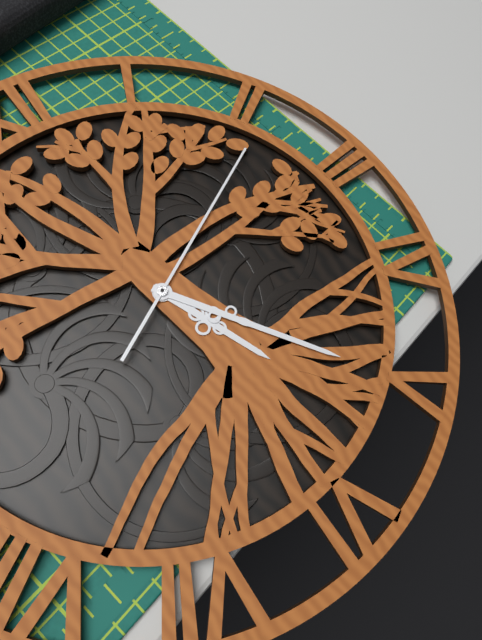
h=5 m=25 s=11
